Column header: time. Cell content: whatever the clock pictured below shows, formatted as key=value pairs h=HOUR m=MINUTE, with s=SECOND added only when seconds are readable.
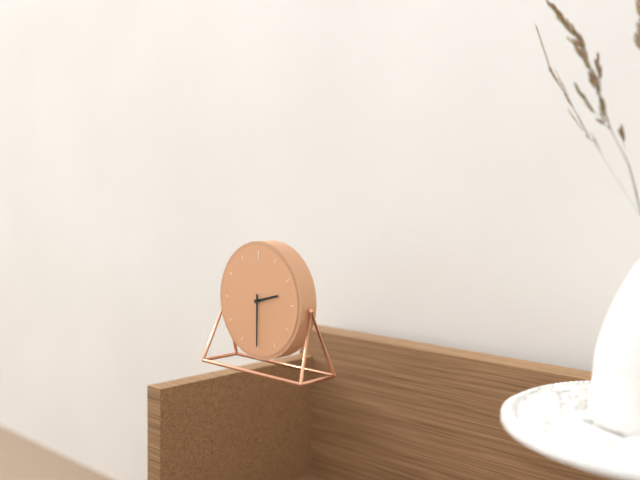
h=2 m=30
